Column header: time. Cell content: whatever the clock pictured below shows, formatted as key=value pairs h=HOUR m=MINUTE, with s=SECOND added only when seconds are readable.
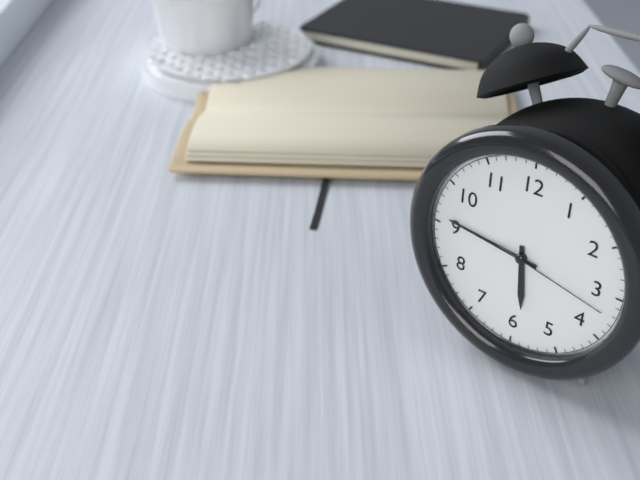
h=5 m=46 s=17
